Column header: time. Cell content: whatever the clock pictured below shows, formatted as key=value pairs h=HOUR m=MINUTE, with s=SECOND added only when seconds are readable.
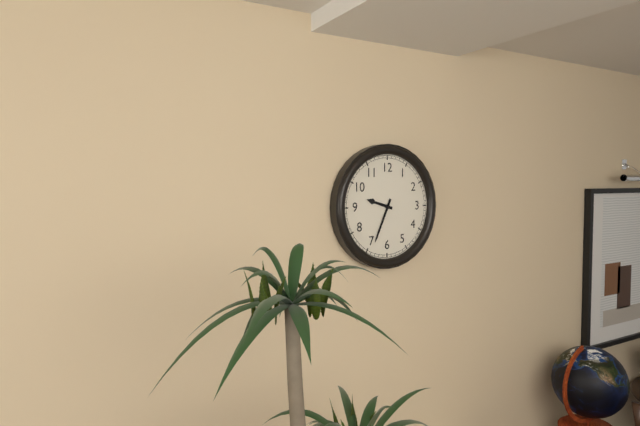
h=9 m=34
